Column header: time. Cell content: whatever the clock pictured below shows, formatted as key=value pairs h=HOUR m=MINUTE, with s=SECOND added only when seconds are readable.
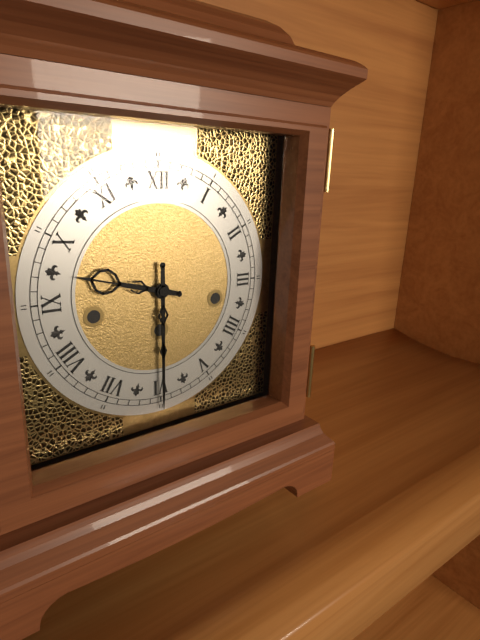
h=9 m=30
